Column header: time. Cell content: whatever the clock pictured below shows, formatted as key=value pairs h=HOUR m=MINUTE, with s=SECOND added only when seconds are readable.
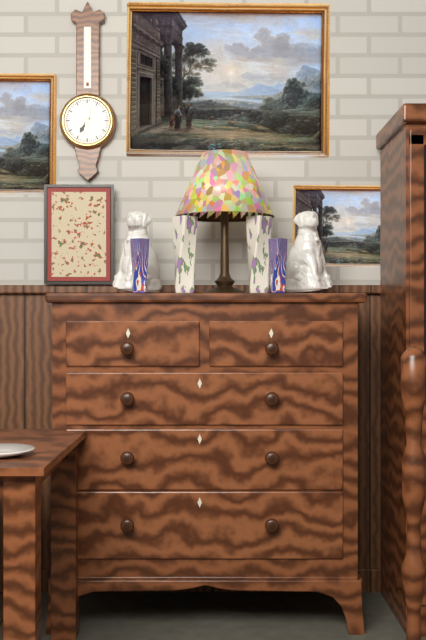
h=7 m=2
